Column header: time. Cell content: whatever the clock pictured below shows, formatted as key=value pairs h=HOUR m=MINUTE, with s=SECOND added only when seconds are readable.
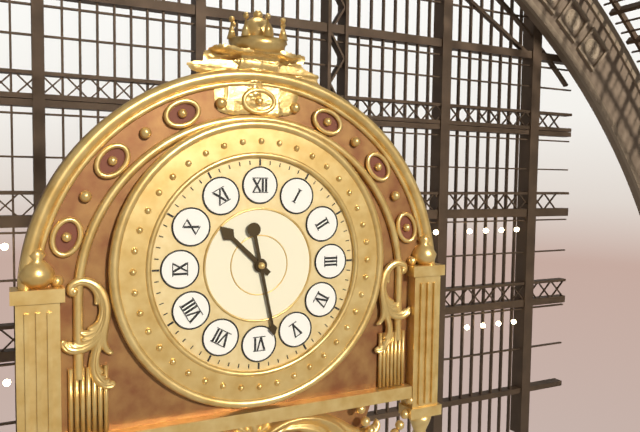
h=10 m=28
